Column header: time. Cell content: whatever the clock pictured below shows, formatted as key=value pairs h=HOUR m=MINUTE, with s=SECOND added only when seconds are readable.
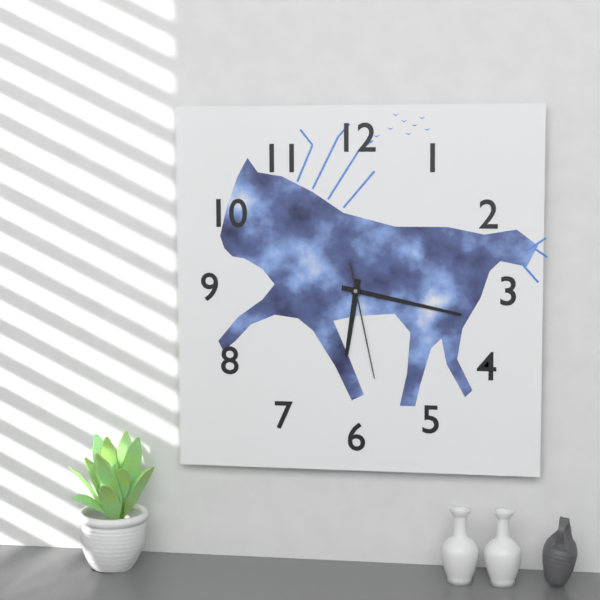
h=6 m=17 s=28
